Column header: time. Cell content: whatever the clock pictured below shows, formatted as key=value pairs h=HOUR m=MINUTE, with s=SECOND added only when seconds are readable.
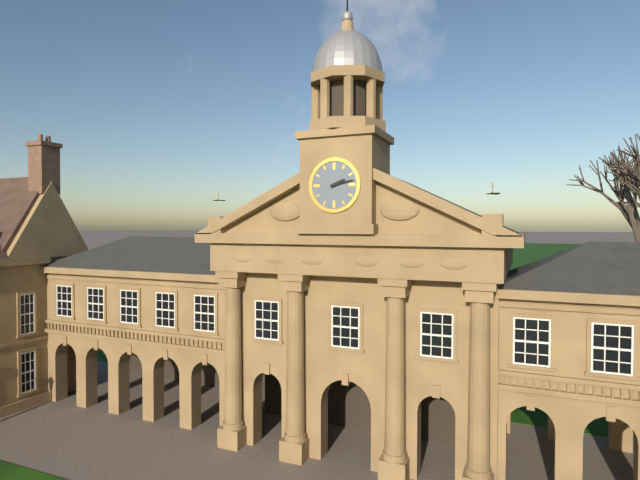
h=2 m=13
